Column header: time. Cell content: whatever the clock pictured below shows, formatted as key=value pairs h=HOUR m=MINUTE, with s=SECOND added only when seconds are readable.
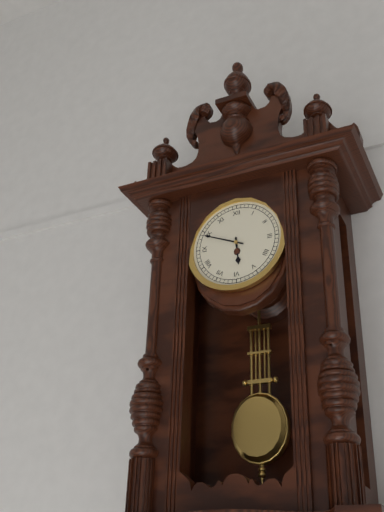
h=5 m=49
